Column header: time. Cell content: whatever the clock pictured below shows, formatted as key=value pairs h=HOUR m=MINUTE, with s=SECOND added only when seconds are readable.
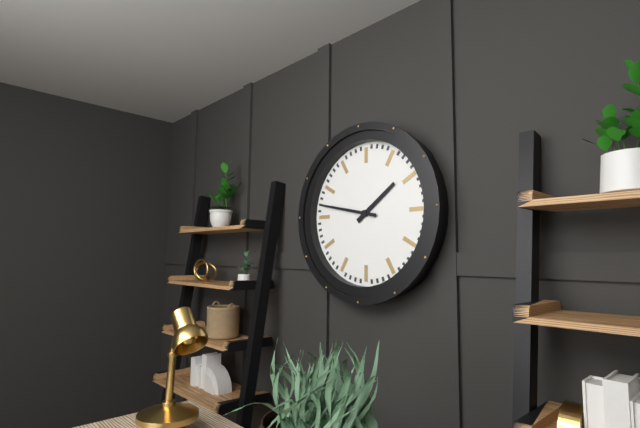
h=1 m=47
